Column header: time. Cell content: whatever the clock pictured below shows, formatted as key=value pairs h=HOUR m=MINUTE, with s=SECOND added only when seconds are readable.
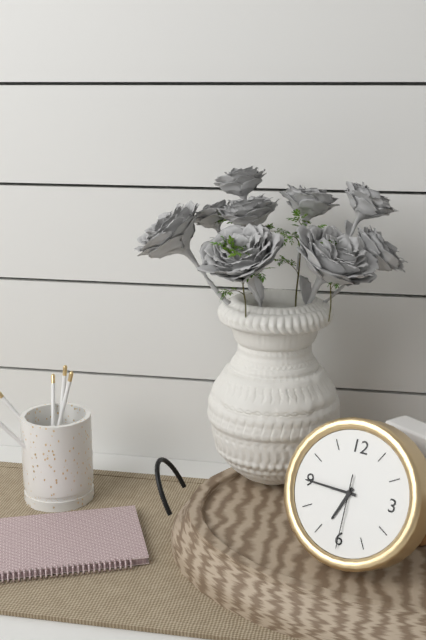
h=6 m=45 s=30
